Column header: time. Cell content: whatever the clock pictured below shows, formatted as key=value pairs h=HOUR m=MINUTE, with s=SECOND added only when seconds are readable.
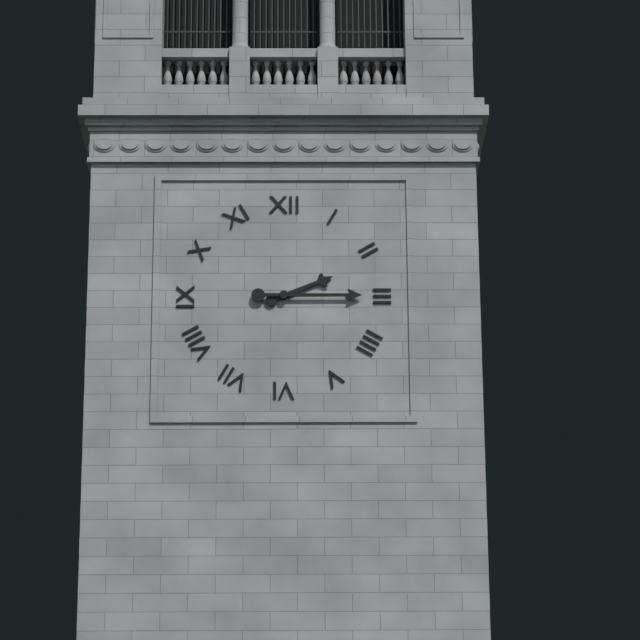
h=2 m=15
